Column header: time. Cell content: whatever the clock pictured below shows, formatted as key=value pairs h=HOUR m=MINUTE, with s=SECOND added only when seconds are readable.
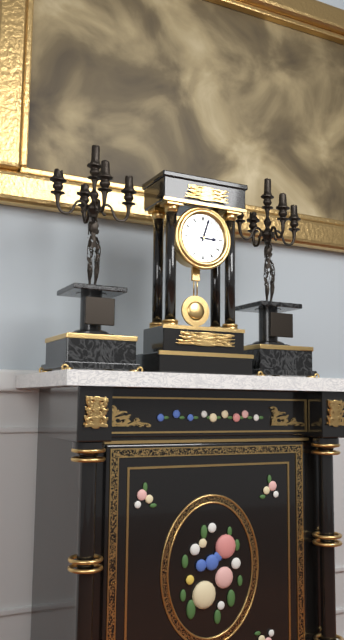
h=3 m=3
